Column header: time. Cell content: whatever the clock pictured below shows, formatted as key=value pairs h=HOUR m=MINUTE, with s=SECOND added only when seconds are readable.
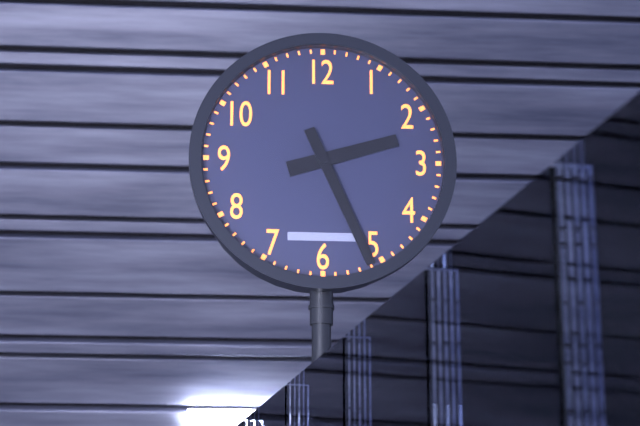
h=2 m=26
